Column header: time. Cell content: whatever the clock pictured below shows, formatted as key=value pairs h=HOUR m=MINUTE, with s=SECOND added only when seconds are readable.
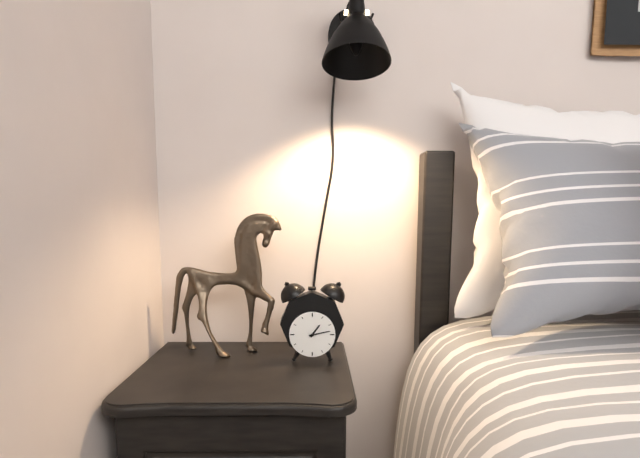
h=1 m=13
